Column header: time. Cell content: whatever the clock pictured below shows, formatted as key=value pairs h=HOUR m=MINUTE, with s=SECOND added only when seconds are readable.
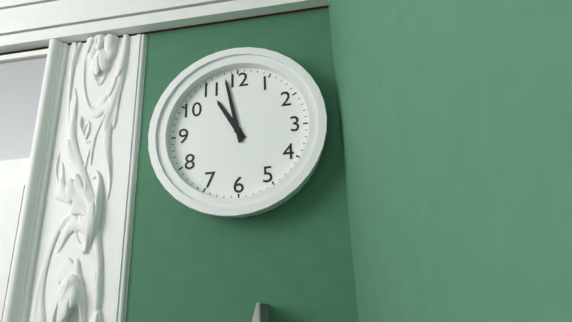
h=10 m=58
